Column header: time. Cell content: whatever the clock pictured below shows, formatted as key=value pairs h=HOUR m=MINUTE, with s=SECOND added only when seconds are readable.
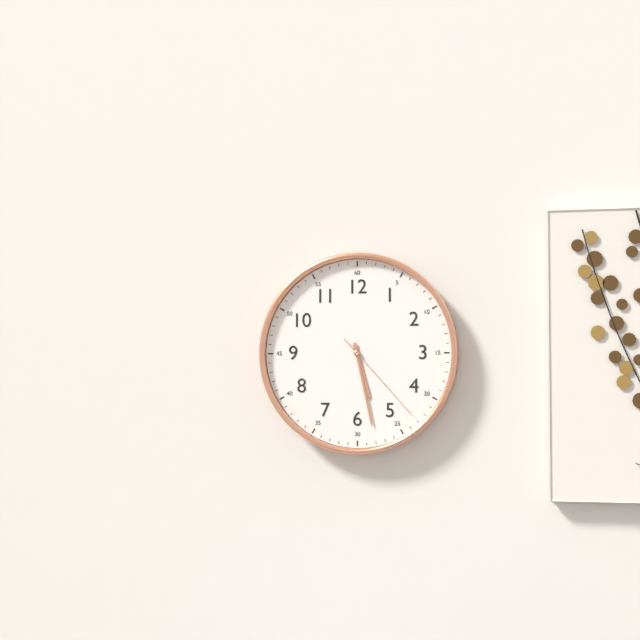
h=5 m=28 s=23
